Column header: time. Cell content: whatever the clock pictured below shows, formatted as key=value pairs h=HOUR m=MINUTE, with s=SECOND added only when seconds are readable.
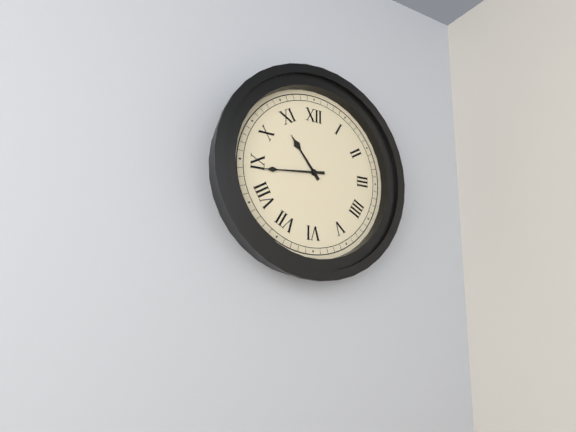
h=10 m=44
